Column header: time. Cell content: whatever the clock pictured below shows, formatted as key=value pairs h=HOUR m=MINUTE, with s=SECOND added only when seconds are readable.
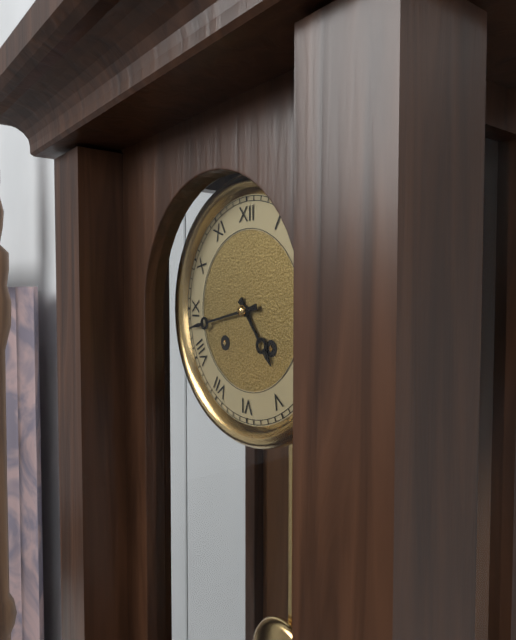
h=4 m=43
